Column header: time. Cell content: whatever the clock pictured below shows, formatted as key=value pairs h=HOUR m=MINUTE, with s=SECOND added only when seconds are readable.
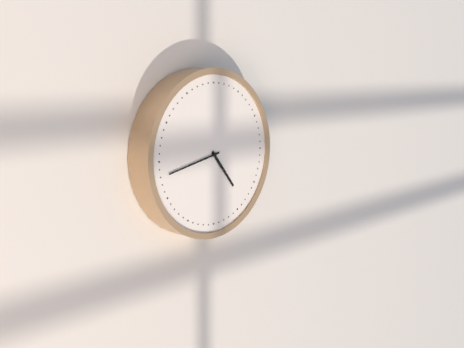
h=4 m=43
